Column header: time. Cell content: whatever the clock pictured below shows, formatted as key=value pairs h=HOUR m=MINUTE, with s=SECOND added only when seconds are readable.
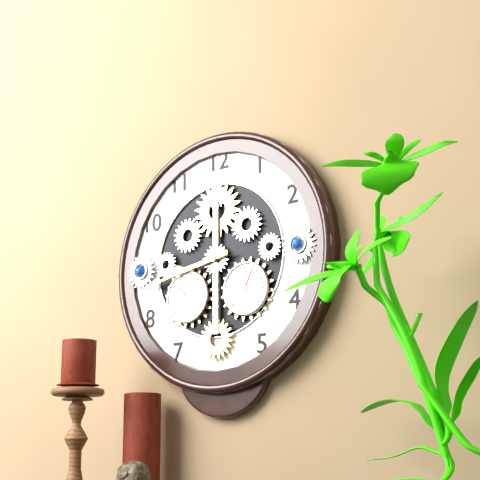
h=8 m=43
